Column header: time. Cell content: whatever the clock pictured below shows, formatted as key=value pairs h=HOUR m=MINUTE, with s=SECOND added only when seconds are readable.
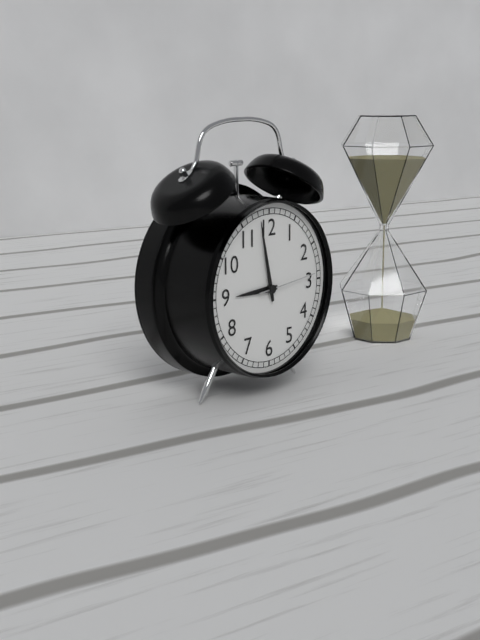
h=8 m=58 s=14
